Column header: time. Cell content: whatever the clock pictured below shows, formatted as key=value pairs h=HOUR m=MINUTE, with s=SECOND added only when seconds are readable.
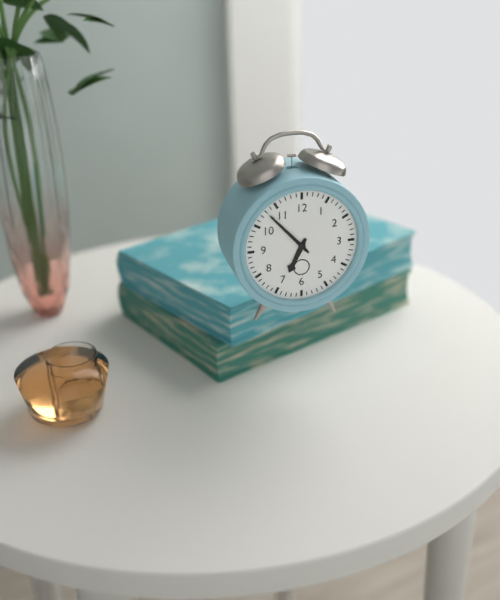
h=6 m=53
